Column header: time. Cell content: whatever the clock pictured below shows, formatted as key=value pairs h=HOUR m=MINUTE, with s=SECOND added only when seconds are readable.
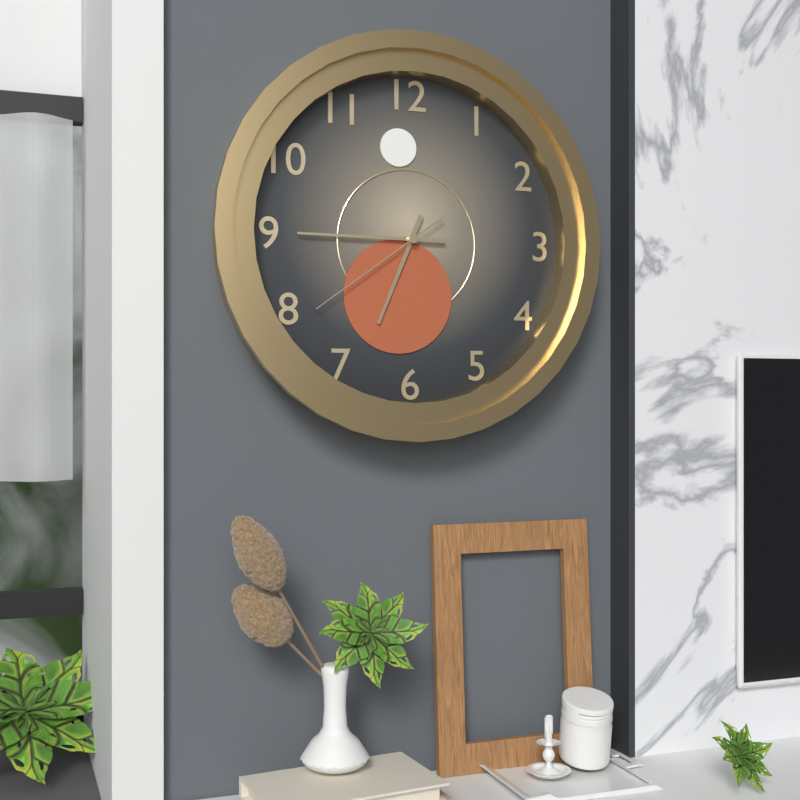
h=6 m=45 s=39
